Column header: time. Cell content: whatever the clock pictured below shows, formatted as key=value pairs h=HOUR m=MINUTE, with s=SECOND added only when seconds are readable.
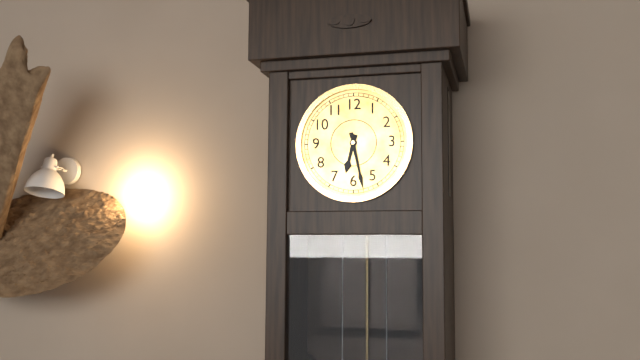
h=6 m=28
